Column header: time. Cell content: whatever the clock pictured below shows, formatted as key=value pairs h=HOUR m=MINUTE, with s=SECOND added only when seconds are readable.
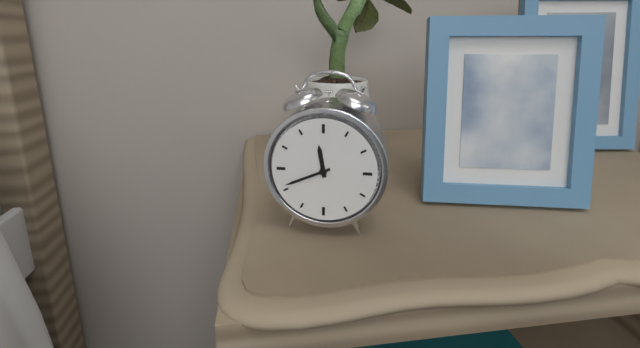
h=11 m=41
